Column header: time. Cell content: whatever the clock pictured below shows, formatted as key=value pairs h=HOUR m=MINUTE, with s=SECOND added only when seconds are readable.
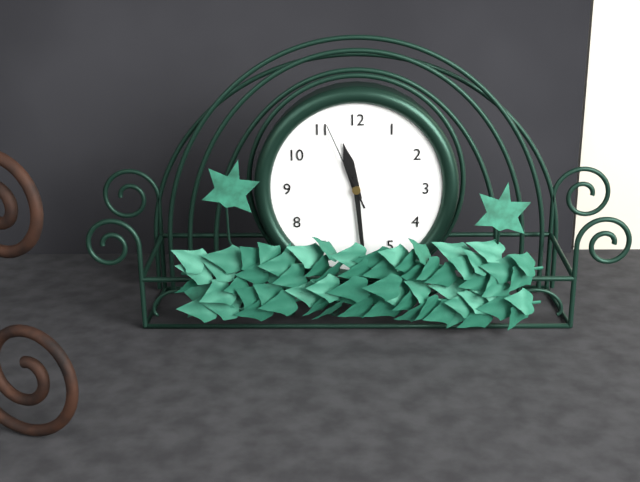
h=11 m=29 s=56
